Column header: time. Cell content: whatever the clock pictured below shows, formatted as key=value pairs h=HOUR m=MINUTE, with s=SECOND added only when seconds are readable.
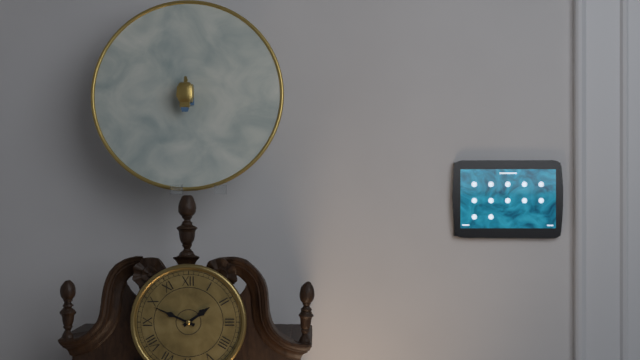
h=1 m=49
